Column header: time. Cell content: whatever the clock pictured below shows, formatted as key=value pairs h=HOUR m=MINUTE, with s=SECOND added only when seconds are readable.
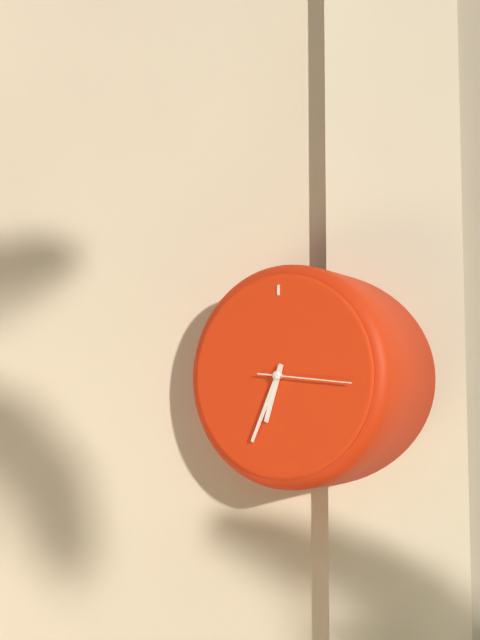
h=6 m=34 s=16
